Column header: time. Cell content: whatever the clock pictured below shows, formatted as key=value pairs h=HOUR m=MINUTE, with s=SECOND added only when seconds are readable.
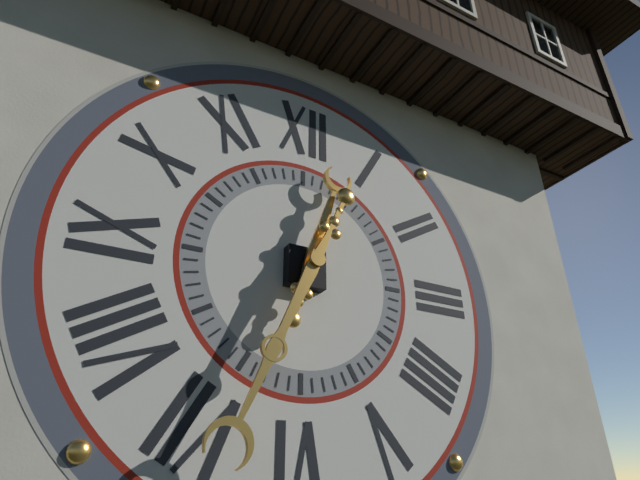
h=12 m=34
